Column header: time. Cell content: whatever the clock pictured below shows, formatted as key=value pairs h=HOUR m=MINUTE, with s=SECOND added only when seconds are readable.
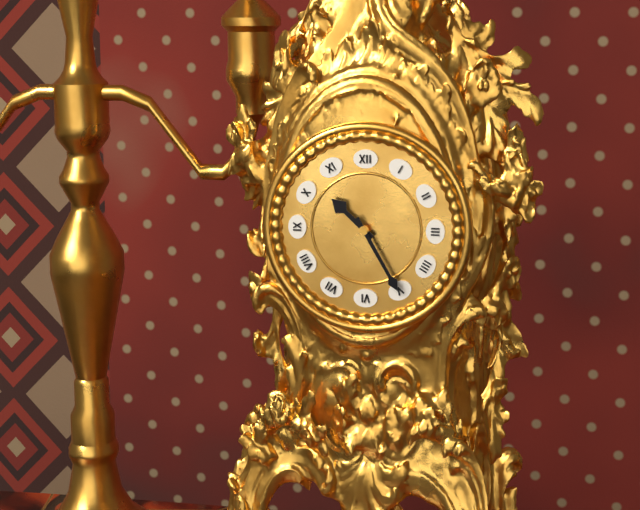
h=10 m=25
